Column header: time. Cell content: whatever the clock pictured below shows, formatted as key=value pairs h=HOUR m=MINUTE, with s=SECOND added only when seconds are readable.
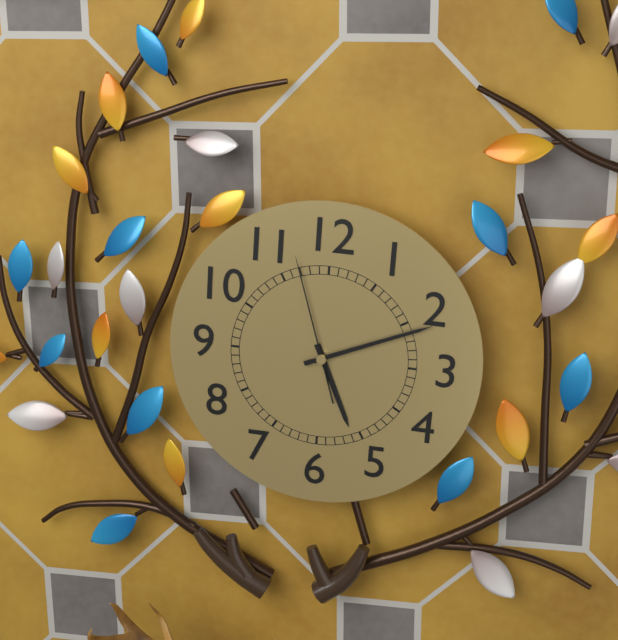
h=5 m=11 s=57
